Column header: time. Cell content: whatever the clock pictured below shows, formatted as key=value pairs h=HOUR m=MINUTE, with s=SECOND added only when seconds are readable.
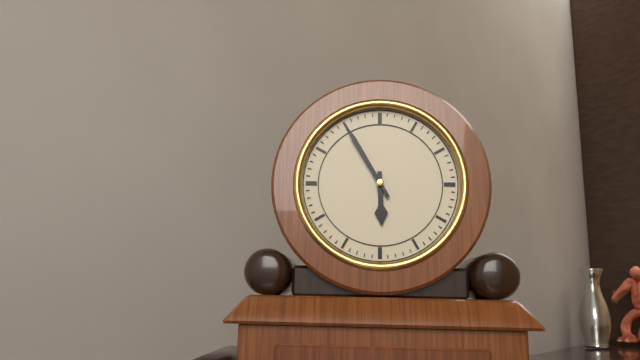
h=5 m=55
